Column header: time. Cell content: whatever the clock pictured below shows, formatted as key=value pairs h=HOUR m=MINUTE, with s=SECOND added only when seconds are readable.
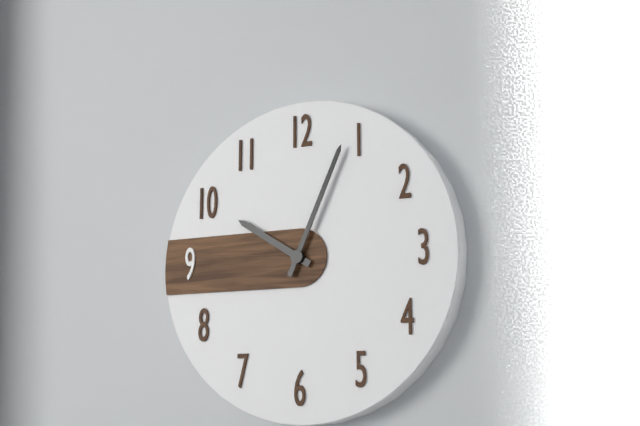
h=10 m=4
